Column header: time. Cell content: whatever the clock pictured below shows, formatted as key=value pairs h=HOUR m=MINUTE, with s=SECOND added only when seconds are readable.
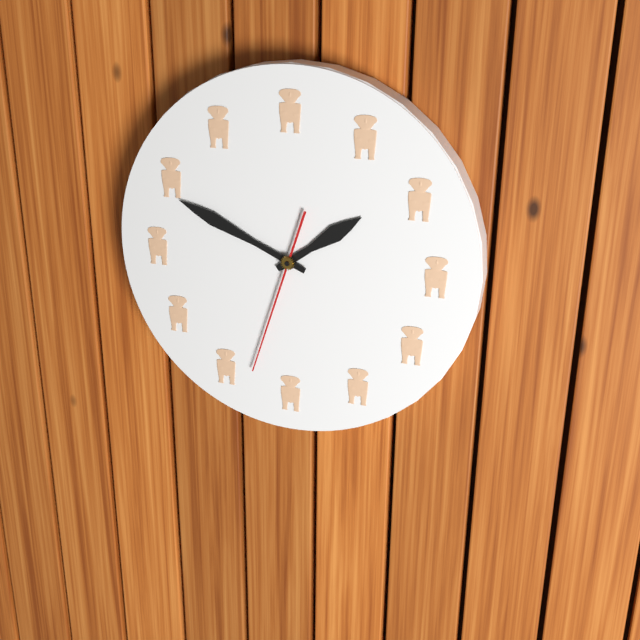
h=1 m=49 s=33
